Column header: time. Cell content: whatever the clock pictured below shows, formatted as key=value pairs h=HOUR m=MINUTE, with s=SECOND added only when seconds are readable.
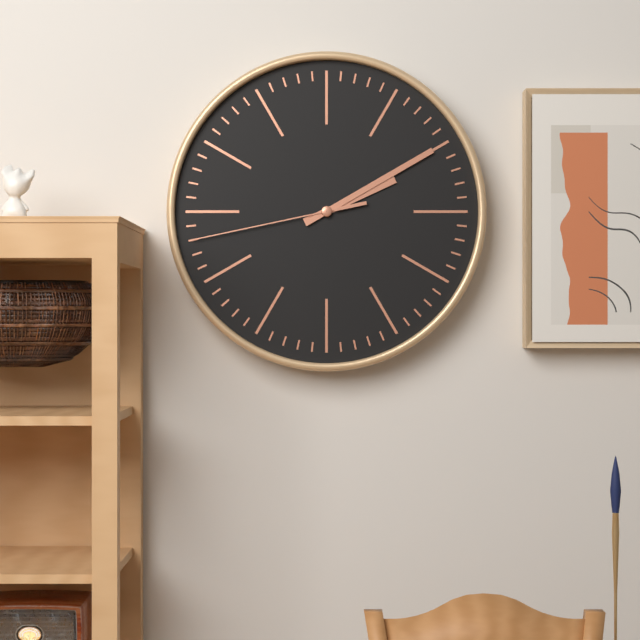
h=2 m=10 s=43
